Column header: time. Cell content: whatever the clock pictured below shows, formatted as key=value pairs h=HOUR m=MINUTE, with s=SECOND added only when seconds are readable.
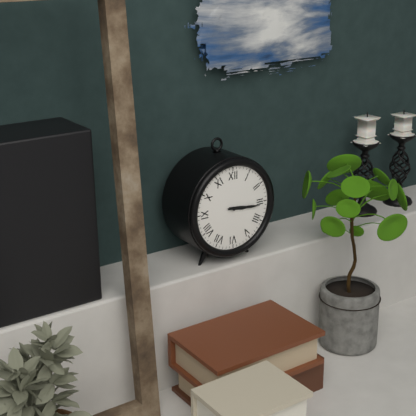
h=3 m=16
